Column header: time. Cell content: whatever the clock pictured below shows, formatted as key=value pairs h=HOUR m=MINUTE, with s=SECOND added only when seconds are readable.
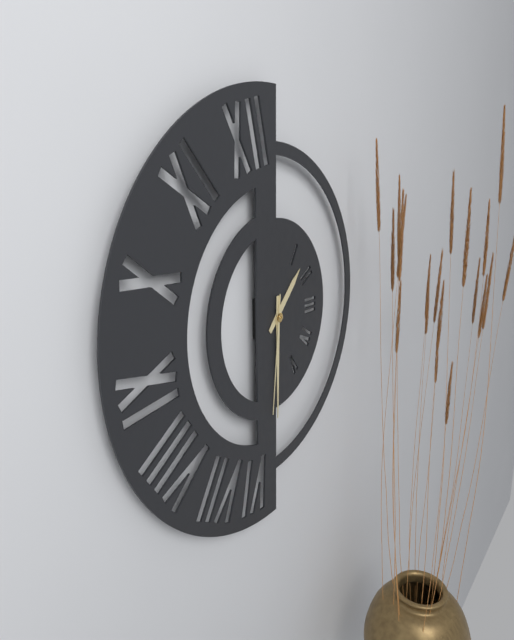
h=1 m=30 s=31
